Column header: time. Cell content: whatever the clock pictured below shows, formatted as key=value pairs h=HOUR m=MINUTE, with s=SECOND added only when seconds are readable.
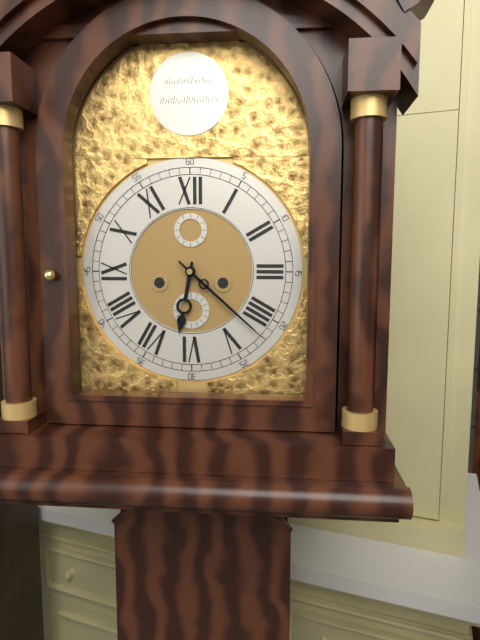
h=6 m=22
